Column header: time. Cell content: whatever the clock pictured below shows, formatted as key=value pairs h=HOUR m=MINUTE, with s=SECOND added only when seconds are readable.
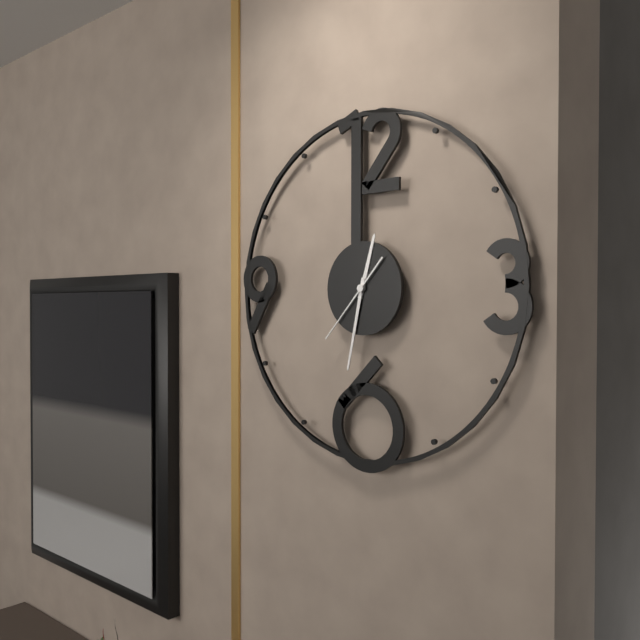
h=12 m=32 s=37
